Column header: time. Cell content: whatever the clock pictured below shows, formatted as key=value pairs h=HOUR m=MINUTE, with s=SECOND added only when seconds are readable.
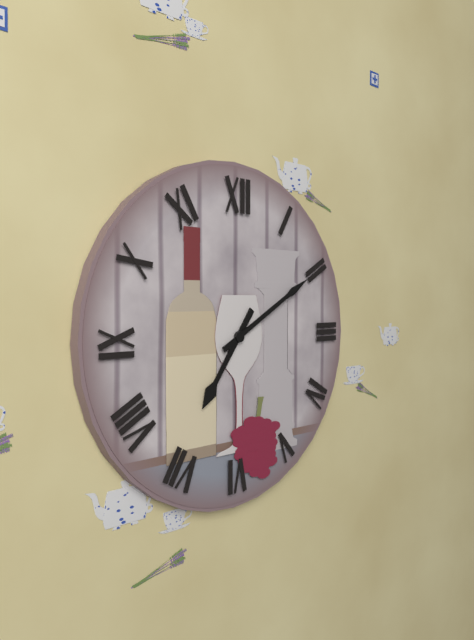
h=7 m=10
